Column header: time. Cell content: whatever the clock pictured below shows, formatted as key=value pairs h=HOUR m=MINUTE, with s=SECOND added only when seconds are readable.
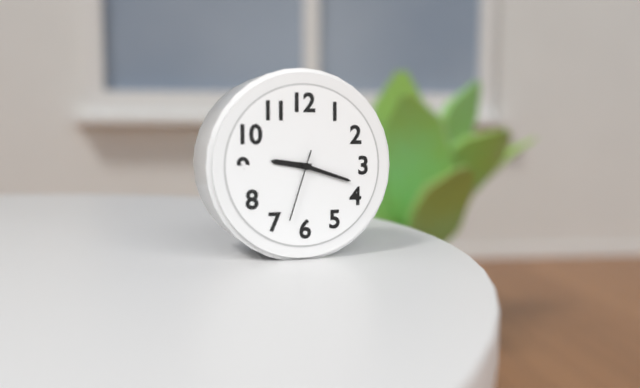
h=9 m=18 s=33
